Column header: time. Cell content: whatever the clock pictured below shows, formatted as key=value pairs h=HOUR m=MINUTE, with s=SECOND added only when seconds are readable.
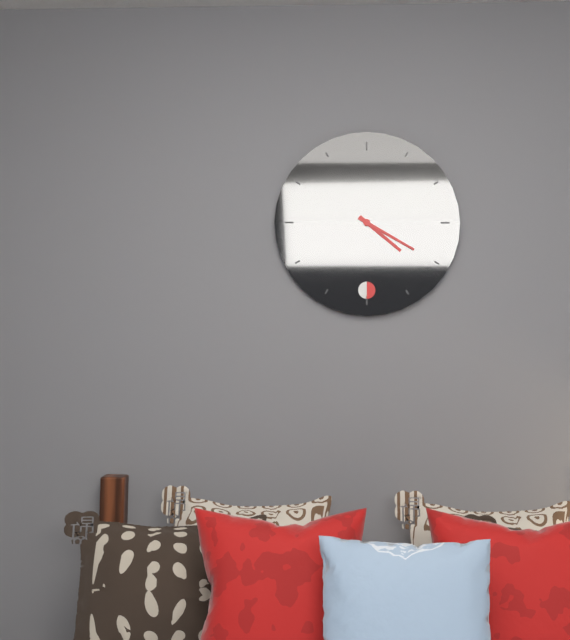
h=4 m=20
